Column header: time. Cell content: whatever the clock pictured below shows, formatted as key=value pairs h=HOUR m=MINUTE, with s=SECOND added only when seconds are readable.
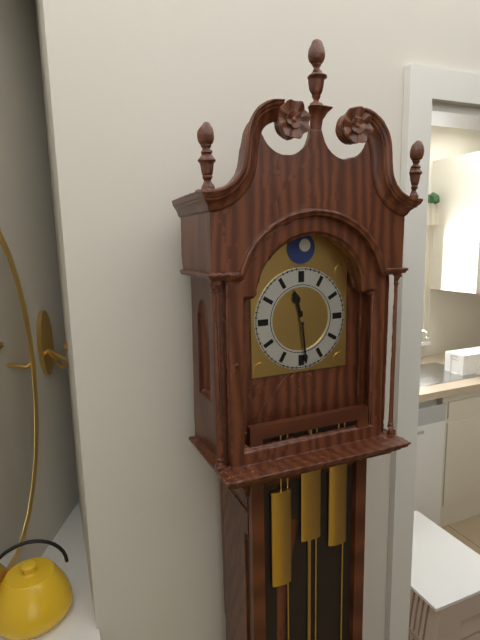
h=11 m=29
